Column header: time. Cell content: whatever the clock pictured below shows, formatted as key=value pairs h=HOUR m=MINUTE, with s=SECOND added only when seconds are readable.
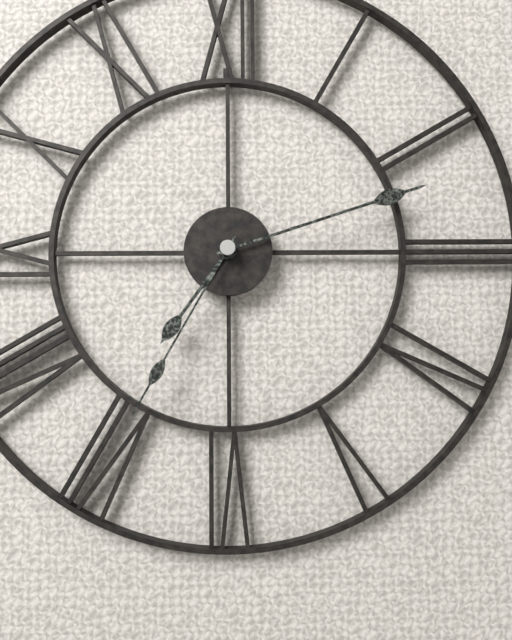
h=7 m=12 s=35
